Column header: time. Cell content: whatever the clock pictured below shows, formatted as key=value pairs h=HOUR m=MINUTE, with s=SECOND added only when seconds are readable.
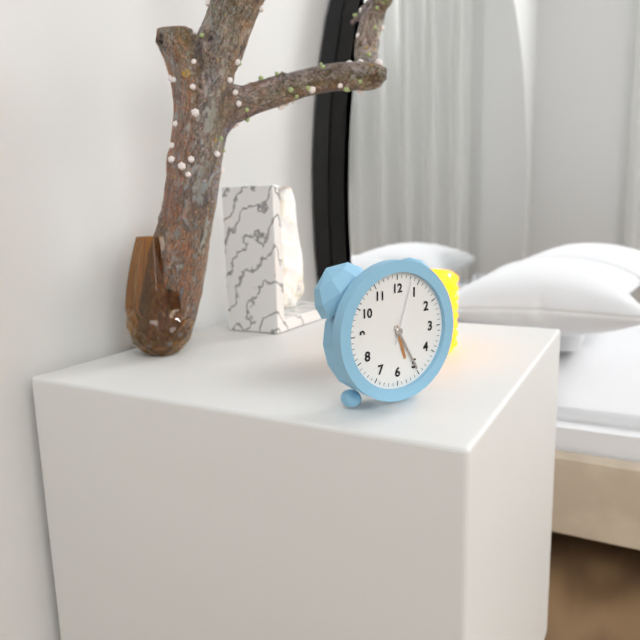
h=5 m=25 s=3
